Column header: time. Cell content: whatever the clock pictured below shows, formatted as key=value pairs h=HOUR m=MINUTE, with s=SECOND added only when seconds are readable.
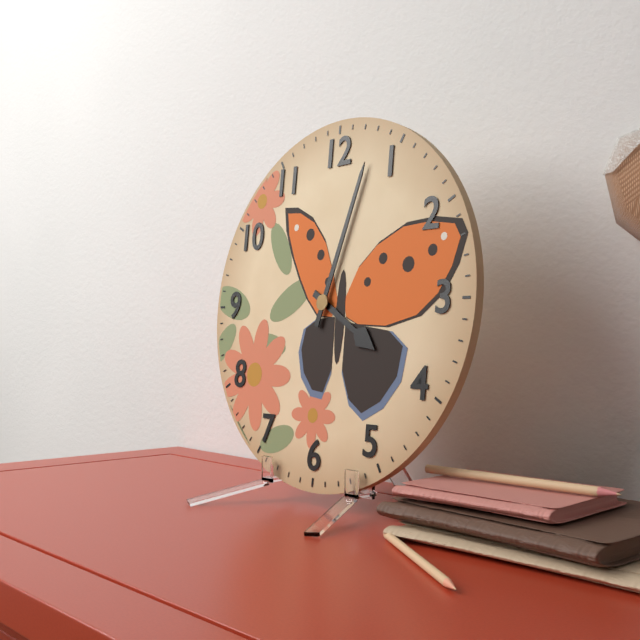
h=4 m=3
